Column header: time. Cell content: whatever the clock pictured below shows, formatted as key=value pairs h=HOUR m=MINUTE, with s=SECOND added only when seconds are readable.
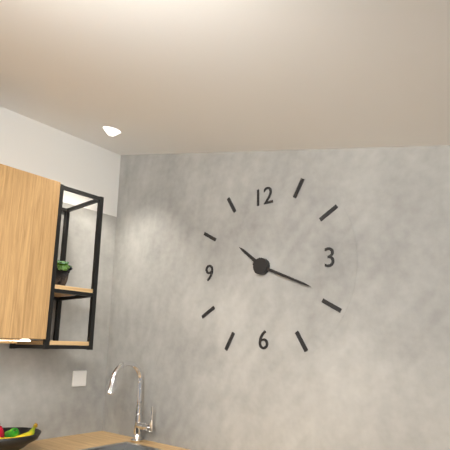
h=10 m=19
